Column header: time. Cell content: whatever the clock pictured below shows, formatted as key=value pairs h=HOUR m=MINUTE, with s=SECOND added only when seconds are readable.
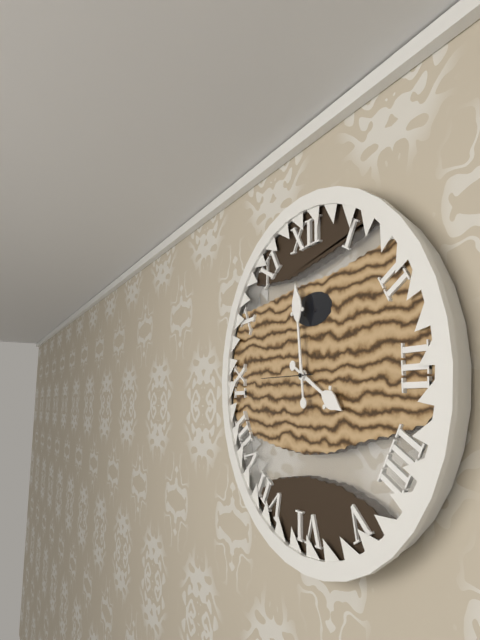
h=3 m=59 s=45
